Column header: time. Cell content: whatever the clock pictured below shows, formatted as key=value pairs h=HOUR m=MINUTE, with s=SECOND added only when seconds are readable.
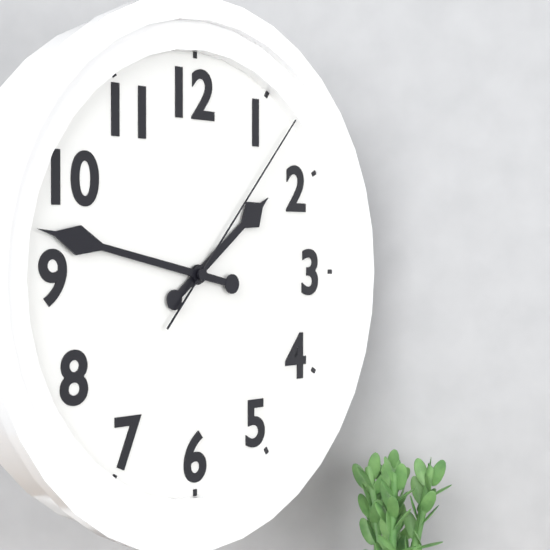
h=1 m=47 s=7
